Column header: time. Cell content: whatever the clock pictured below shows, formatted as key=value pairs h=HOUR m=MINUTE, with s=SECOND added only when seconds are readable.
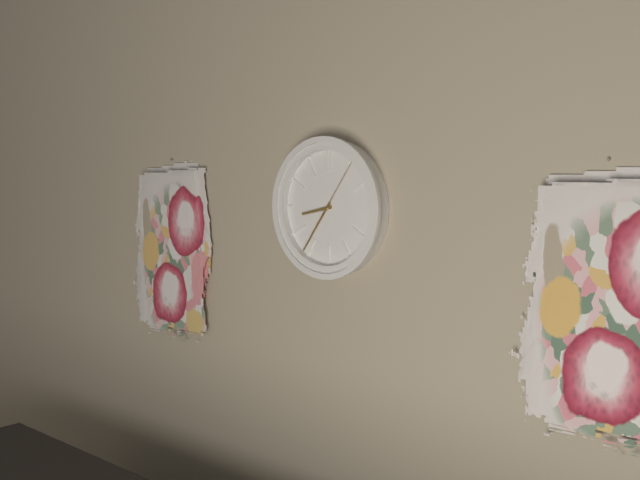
h=8 m=36 s=6
